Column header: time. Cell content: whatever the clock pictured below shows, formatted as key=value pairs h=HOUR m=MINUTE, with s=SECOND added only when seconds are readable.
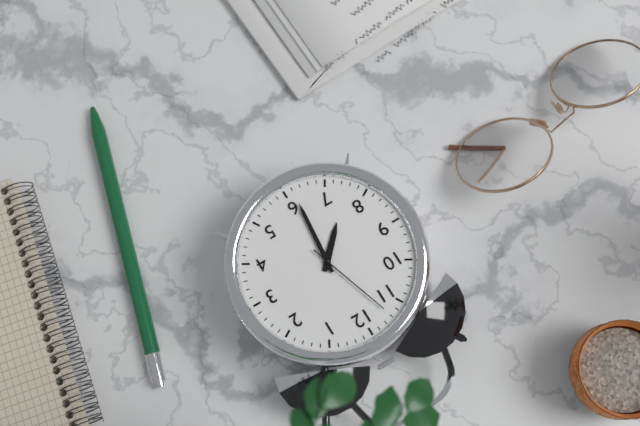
h=7 m=31 s=57
